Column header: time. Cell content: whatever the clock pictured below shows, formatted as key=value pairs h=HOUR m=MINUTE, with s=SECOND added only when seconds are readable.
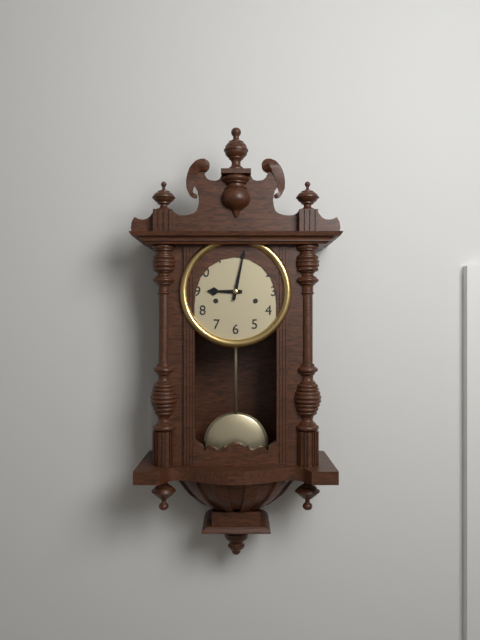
h=9 m=2
